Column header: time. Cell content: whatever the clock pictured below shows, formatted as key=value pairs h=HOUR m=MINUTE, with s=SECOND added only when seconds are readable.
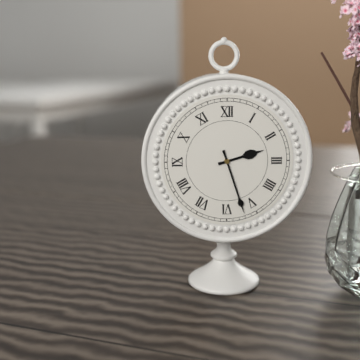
h=2 m=27
